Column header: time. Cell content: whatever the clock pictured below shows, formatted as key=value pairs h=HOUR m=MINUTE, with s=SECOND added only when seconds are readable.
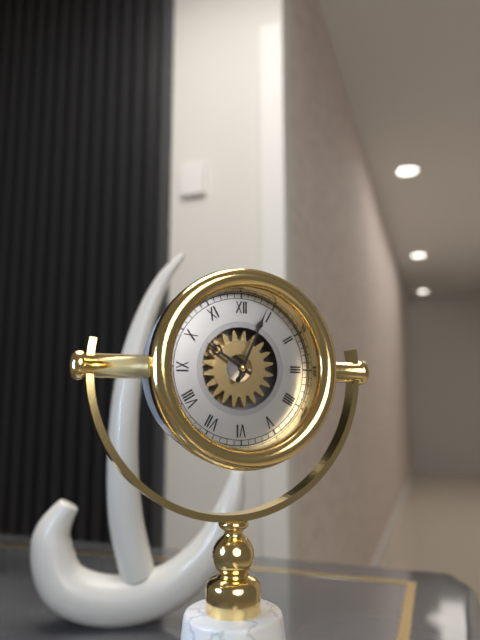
h=10 m=4
